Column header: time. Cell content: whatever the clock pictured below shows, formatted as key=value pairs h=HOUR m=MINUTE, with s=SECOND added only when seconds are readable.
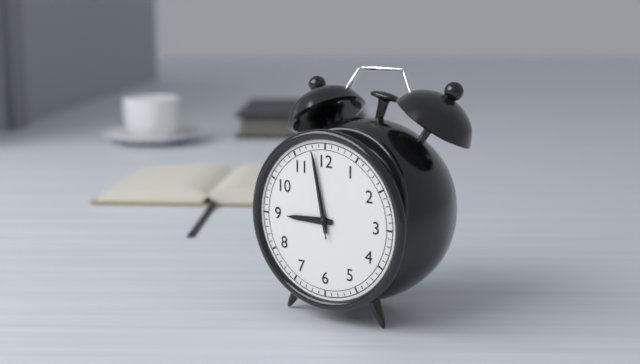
h=8 m=58 s=58
